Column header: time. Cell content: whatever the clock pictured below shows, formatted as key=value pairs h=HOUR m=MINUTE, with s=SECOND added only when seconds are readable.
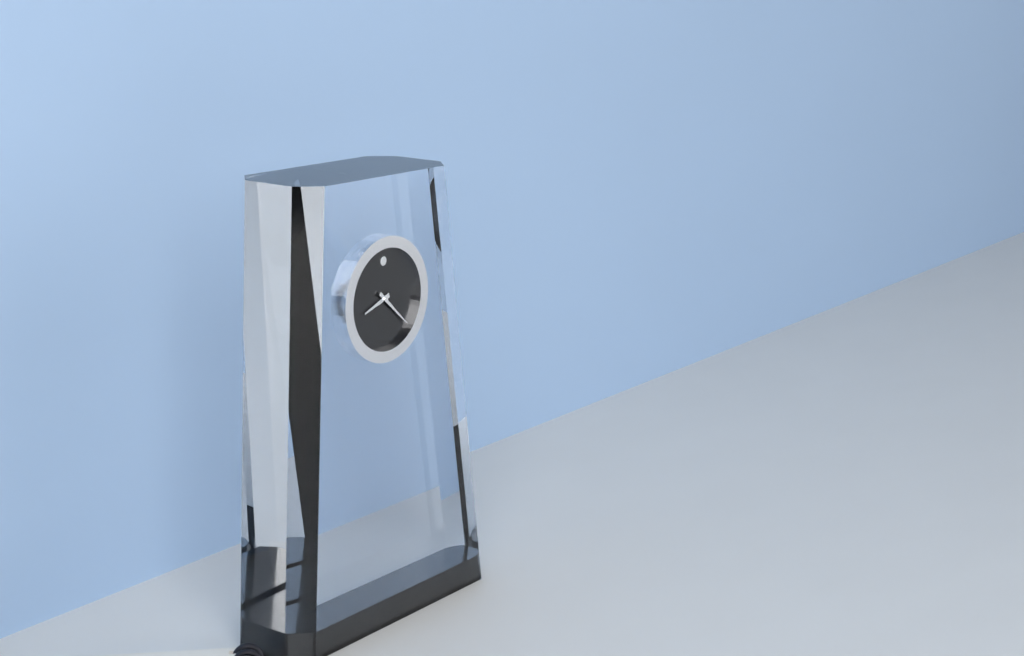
h=8 m=22
